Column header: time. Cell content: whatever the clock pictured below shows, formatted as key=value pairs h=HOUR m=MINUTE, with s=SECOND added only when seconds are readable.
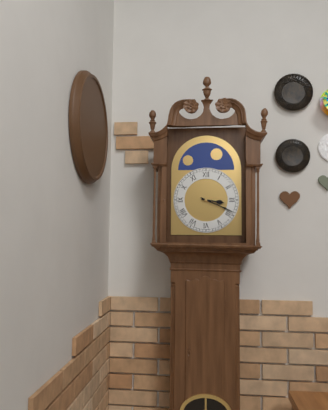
h=3 m=19
